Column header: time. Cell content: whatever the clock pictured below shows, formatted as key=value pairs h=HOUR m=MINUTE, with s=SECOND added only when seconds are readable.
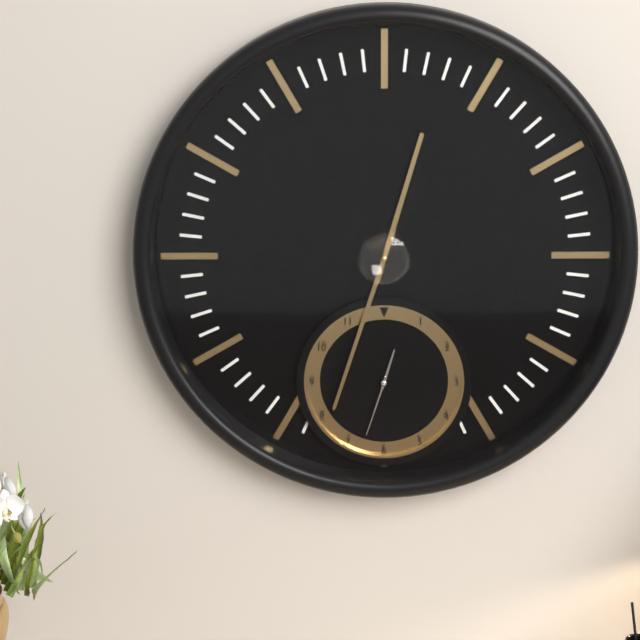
h=12 m=33
